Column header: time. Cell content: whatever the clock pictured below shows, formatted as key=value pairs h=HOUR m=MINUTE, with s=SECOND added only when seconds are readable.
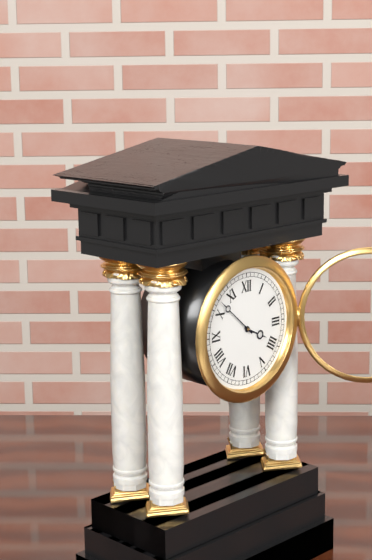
h=3 m=52
